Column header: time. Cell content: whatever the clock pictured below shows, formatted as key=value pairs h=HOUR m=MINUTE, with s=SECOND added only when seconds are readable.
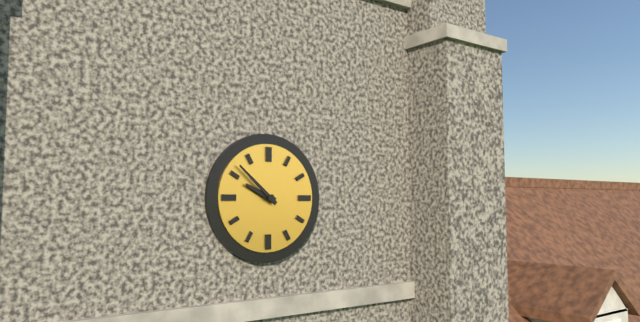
h=9 m=52
